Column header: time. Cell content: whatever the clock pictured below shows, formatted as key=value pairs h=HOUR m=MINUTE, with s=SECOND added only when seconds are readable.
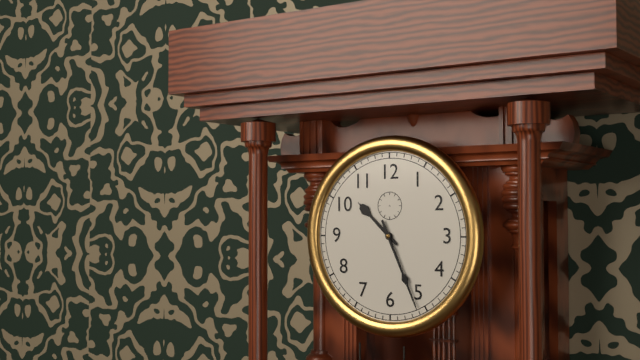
h=10 m=26
